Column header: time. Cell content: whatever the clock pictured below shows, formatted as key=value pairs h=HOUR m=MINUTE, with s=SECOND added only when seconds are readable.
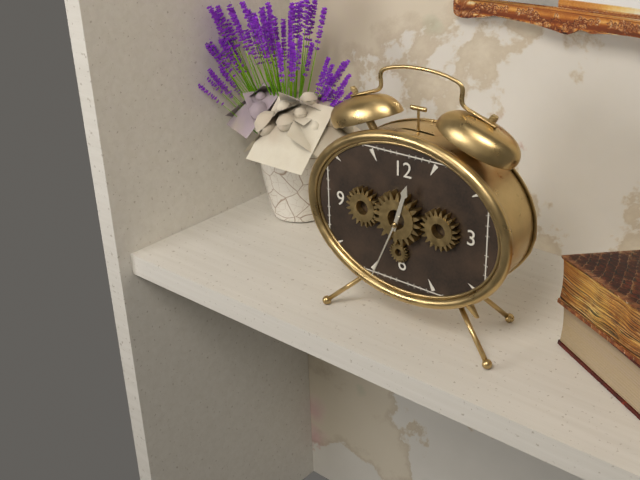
h=12 m=34
